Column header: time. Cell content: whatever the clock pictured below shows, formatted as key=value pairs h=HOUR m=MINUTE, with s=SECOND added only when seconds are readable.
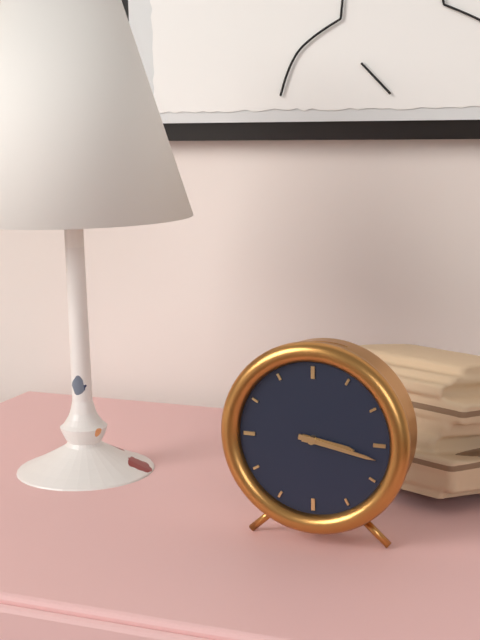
h=3 m=17
